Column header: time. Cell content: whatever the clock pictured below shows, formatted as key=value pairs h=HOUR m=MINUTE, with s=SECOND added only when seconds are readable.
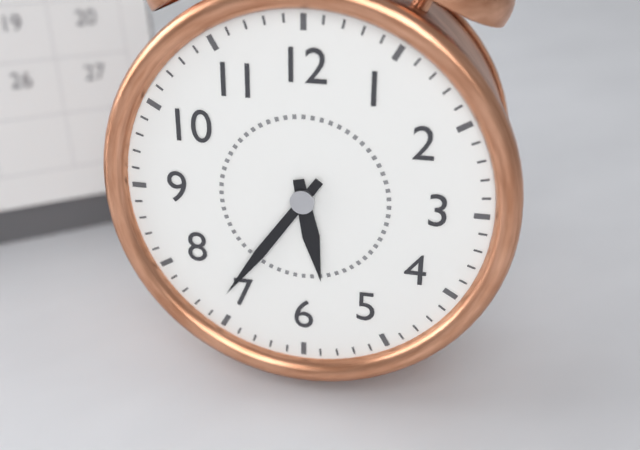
h=5 m=36
